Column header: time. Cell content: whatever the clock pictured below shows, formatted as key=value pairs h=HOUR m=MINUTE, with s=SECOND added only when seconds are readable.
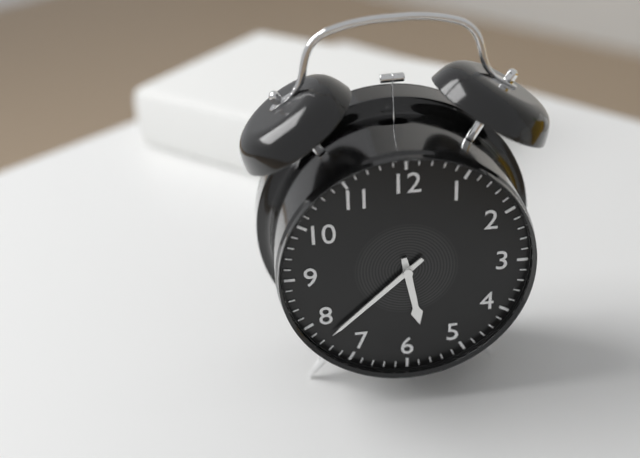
h=5 m=38
